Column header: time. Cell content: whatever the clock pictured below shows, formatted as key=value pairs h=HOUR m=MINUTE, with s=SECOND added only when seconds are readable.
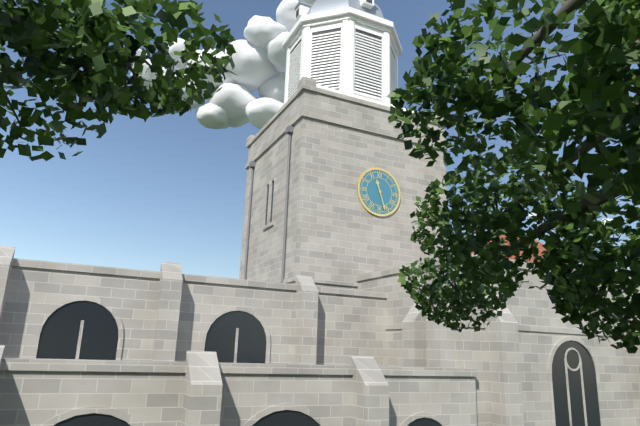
h=11 m=27
